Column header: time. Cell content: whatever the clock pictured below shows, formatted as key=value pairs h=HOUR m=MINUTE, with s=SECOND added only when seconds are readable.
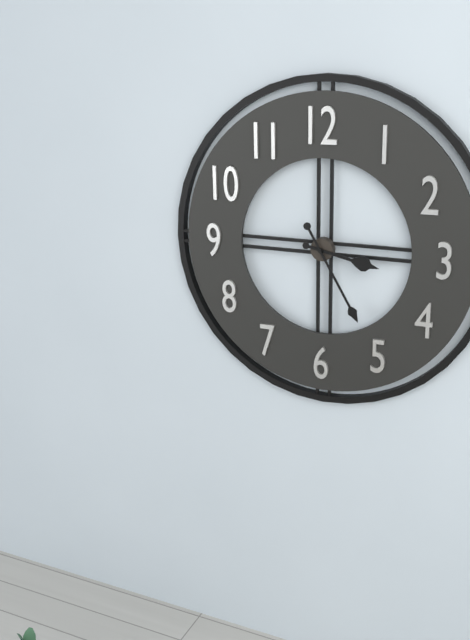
h=3 m=25
